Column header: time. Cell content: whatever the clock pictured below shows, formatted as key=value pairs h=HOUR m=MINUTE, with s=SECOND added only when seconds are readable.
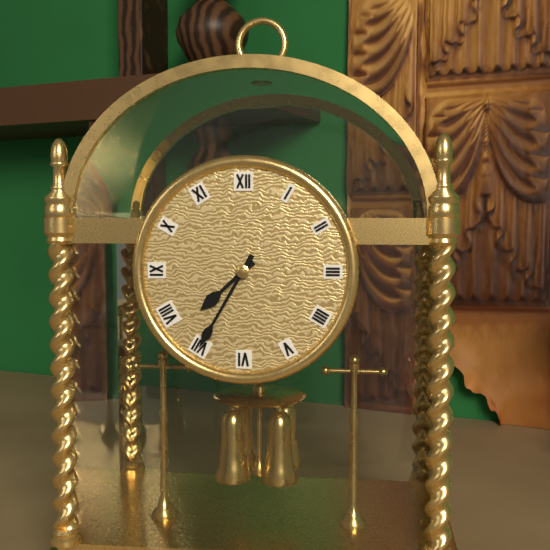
h=7 m=35
